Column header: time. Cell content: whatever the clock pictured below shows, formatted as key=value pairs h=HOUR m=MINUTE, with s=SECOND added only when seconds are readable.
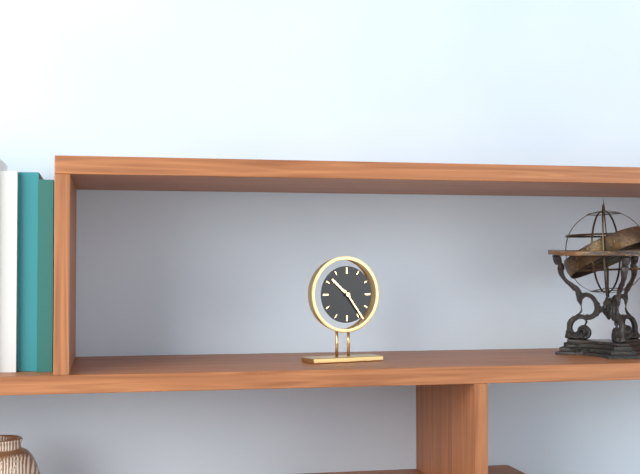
h=10 m=24
